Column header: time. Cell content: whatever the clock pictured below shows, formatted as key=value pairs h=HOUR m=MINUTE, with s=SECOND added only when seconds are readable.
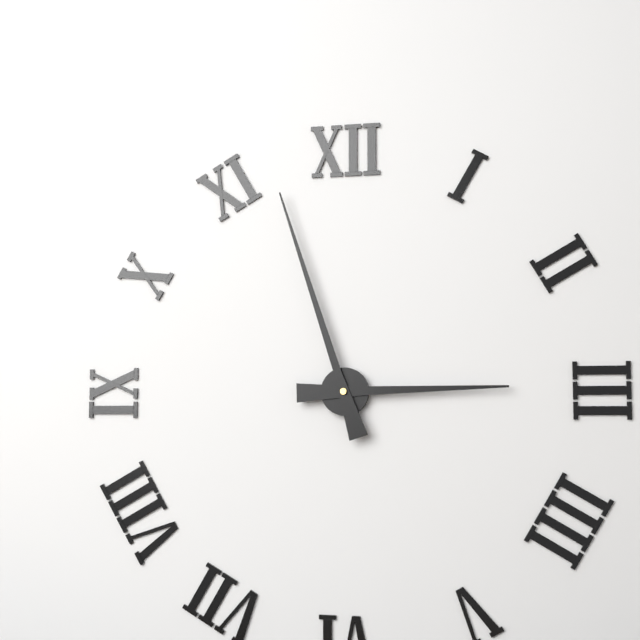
h=2 m=57
